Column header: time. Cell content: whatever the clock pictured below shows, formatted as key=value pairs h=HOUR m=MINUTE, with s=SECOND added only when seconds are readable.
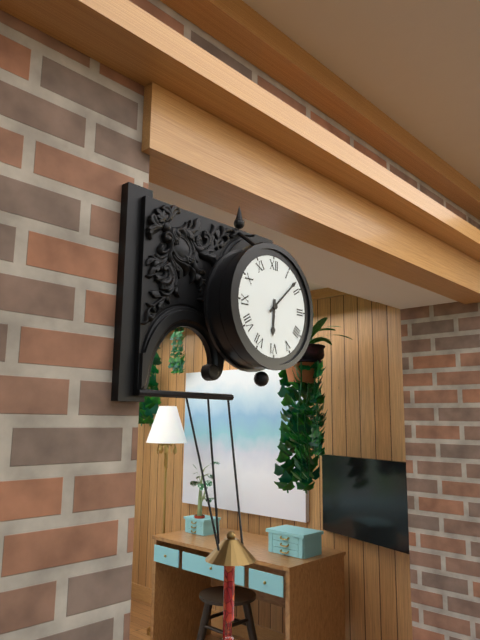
h=6 m=8
